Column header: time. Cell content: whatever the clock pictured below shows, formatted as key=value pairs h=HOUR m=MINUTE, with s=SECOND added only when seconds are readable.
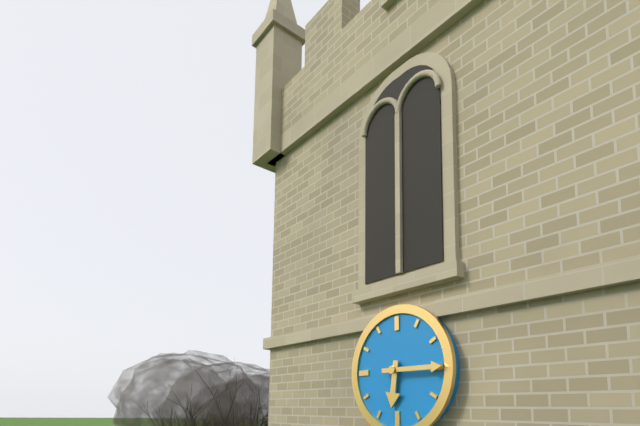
h=6 m=15
